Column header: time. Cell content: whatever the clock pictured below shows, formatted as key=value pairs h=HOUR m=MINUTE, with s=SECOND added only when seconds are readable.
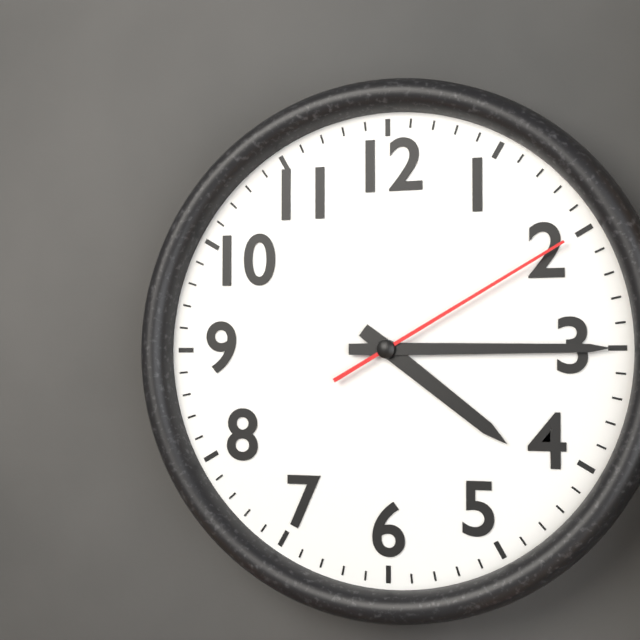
h=4 m=15 s=10
